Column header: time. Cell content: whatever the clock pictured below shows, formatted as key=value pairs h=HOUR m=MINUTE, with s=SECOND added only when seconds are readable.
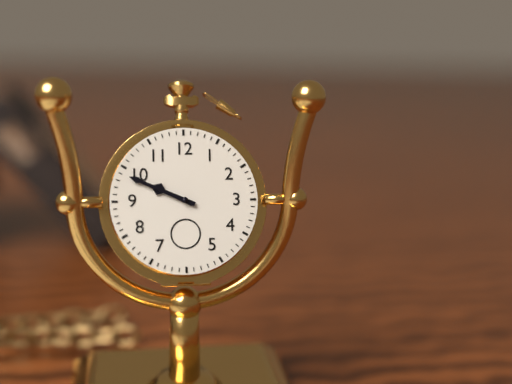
h=9 m=49
